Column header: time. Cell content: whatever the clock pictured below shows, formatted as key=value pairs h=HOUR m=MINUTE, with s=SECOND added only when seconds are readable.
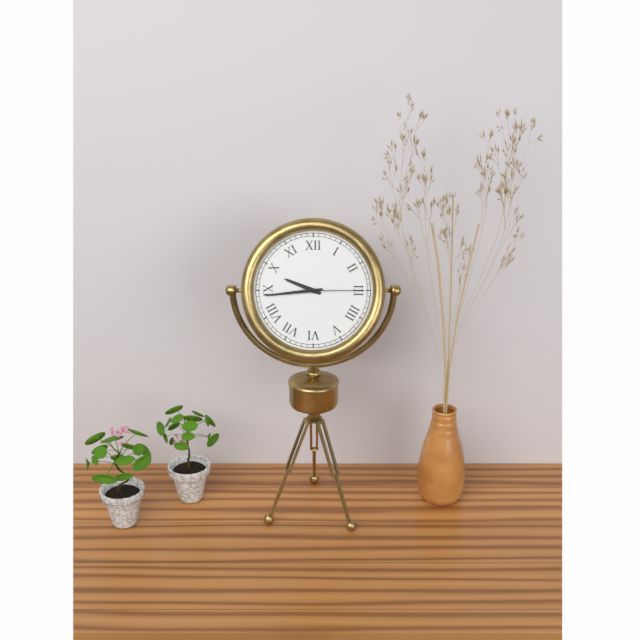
h=9 m=44 s=15
